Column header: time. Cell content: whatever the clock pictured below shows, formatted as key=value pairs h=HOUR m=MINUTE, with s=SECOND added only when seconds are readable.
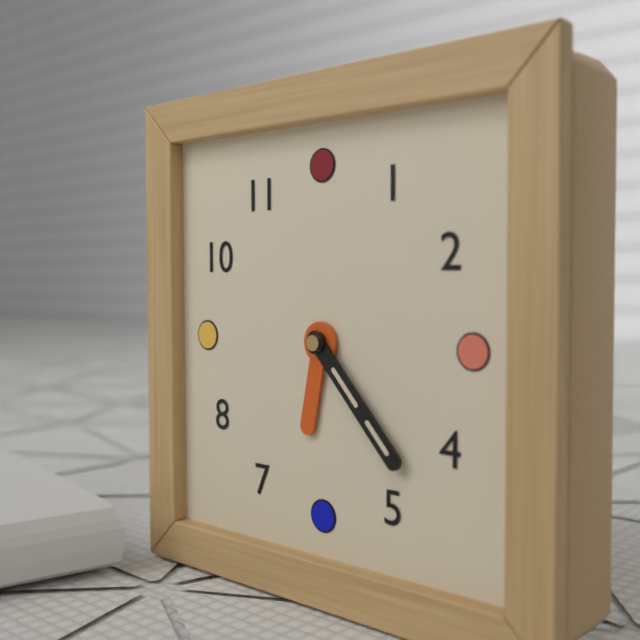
h=6 m=23
